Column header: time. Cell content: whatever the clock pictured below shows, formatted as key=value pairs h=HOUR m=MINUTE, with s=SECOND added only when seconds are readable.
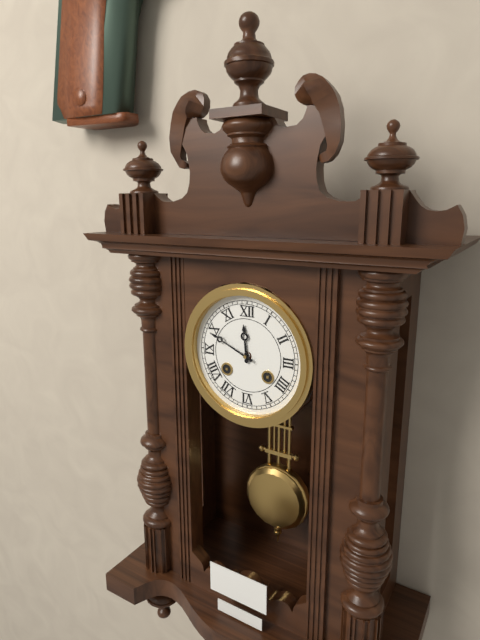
h=11 m=49
